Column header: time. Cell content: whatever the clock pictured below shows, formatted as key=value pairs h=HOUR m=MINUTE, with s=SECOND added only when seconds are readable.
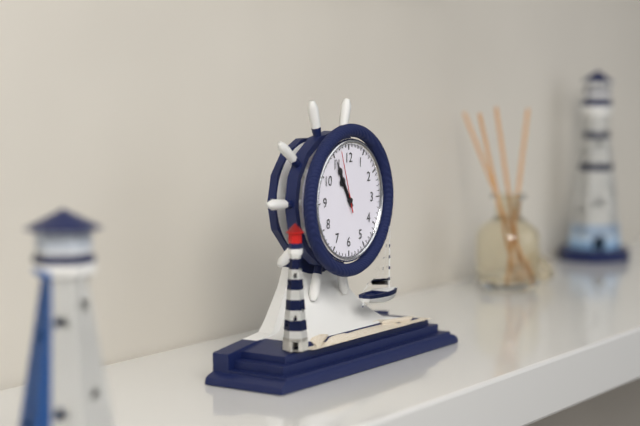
h=10 m=55 s=57
